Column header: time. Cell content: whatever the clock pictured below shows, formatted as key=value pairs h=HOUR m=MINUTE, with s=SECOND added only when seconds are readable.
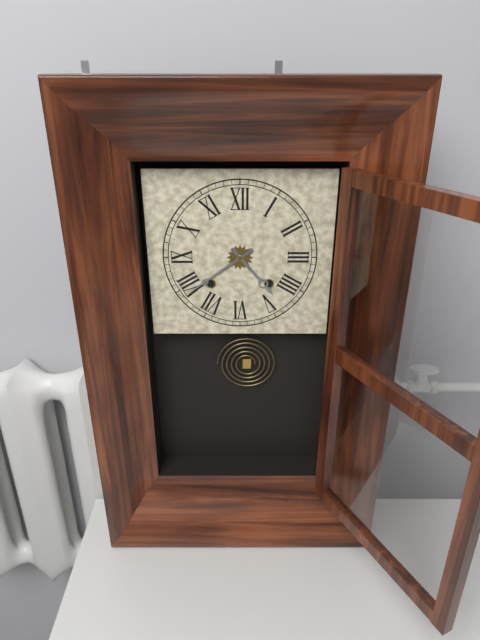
h=4 m=39
